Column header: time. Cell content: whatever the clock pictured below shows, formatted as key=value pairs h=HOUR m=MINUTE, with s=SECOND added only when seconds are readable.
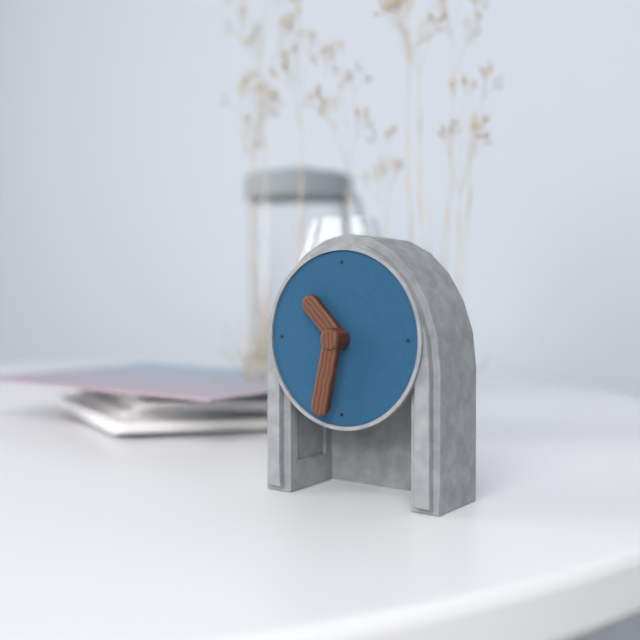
h=10 m=32
